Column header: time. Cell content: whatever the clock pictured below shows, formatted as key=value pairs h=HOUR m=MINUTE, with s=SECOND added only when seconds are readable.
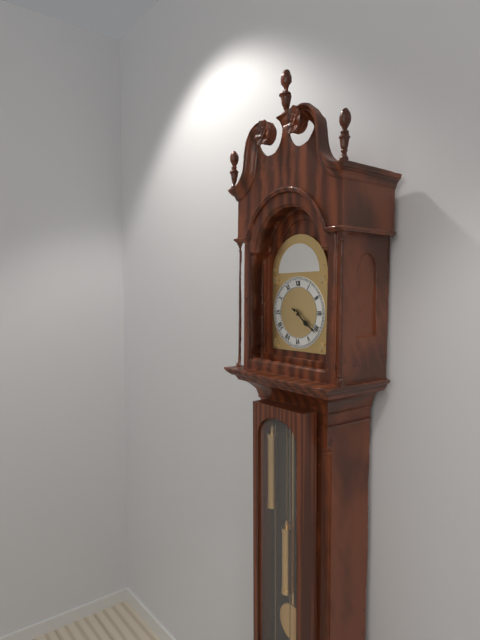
h=4 m=21
